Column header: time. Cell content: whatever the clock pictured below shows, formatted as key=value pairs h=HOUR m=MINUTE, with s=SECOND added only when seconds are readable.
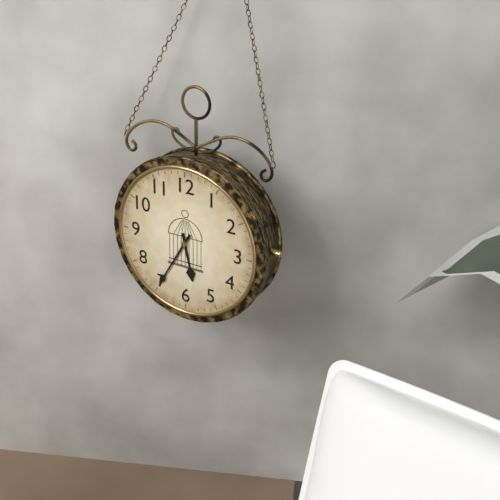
h=5 m=35
